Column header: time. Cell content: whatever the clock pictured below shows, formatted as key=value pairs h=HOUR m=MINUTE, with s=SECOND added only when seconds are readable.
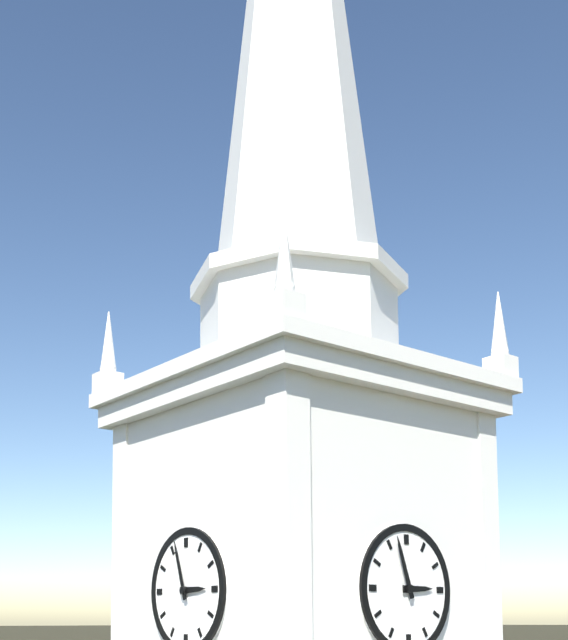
h=2 m=57
